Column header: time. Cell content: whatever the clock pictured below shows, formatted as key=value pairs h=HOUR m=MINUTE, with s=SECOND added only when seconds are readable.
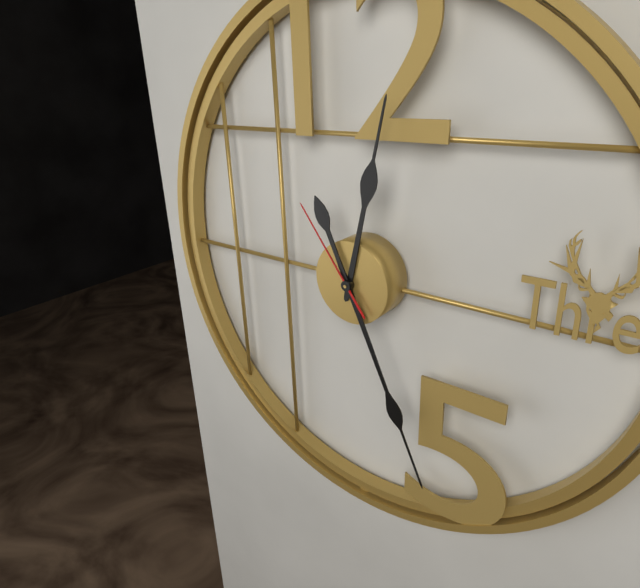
h=12 m=26 s=54
